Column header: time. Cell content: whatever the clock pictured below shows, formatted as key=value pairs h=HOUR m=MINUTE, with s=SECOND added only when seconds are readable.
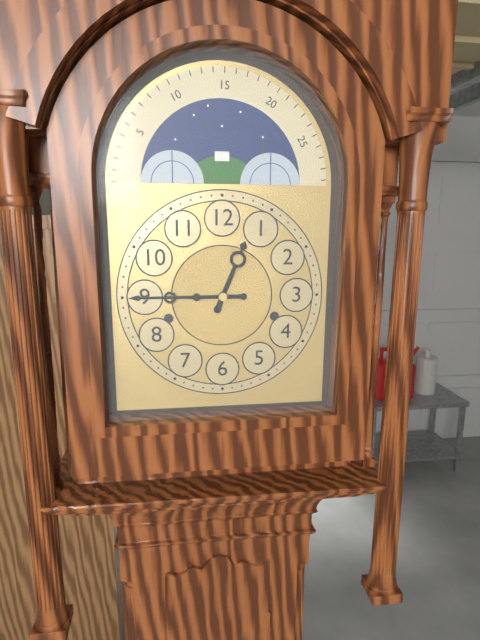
h=12 m=45
